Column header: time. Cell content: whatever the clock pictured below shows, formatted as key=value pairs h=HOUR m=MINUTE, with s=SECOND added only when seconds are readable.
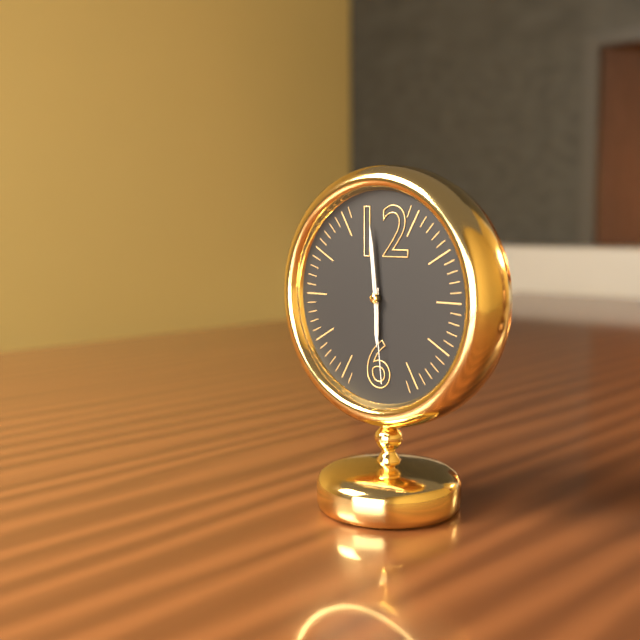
h=5 m=59 s=29
